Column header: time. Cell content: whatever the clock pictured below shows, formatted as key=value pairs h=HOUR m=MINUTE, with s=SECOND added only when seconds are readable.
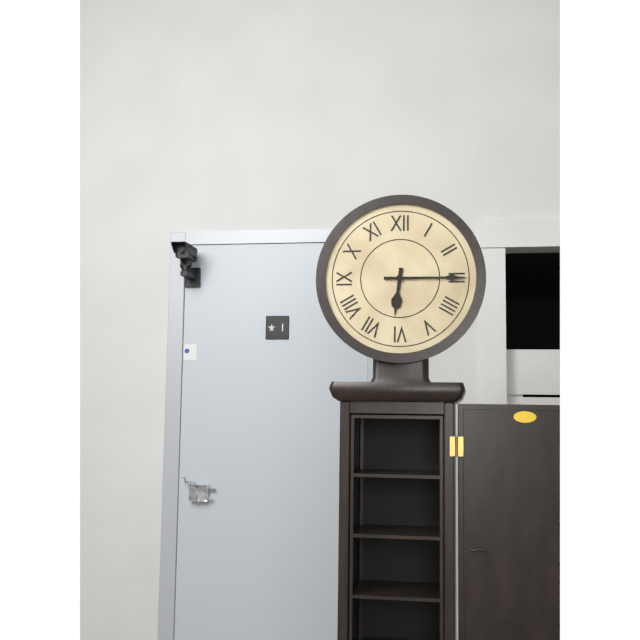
h=6 m=15
